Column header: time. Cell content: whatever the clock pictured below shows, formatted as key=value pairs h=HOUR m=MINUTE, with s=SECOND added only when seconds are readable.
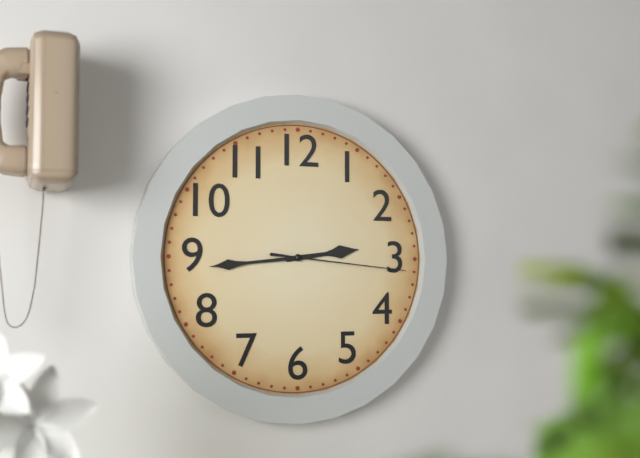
h=2 m=44 s=16
